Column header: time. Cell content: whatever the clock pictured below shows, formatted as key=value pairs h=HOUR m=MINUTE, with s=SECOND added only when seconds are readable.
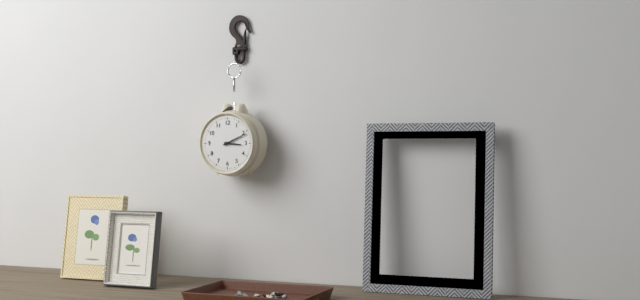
h=3 m=11
